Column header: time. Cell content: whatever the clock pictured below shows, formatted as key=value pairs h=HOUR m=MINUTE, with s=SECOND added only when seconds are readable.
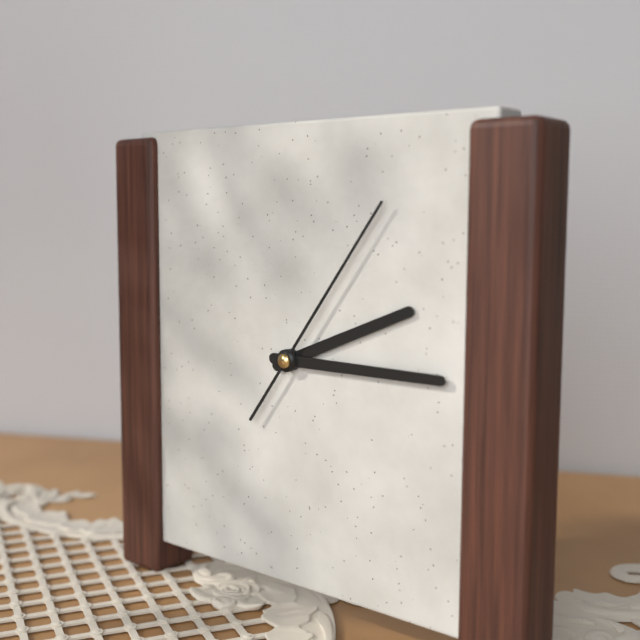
h=2 m=15 s=6
